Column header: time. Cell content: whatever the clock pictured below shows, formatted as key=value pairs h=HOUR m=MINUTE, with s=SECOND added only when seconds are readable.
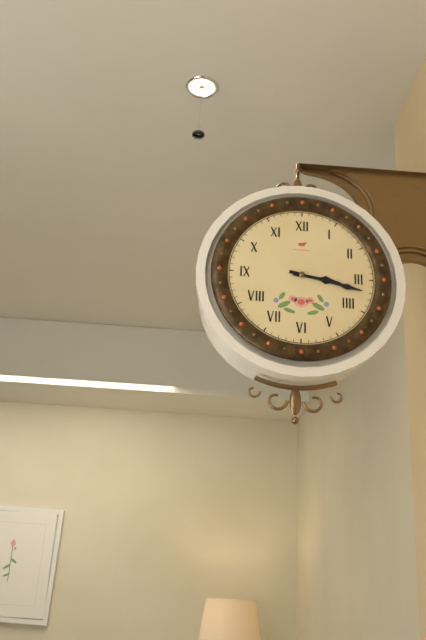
h=3 m=17
